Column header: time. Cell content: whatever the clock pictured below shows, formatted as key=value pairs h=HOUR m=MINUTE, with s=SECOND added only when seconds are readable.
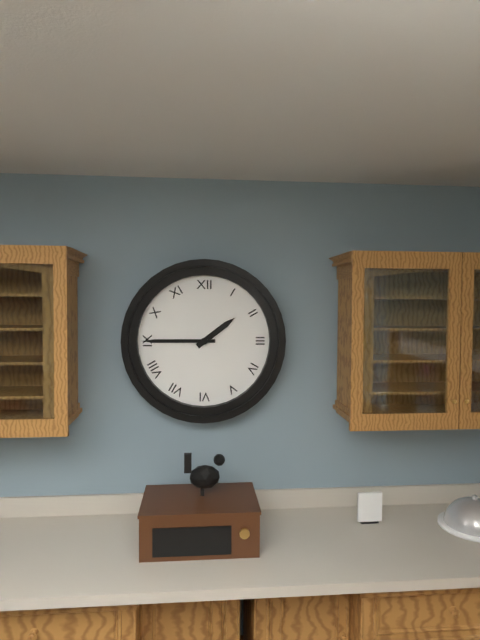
h=1 m=45
